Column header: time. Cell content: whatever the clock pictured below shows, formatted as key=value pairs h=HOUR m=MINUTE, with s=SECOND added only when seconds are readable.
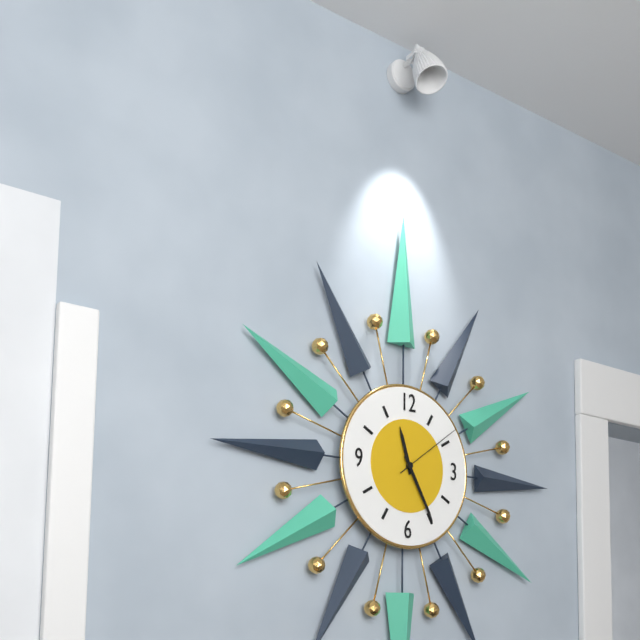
h=11 m=25 s=9
